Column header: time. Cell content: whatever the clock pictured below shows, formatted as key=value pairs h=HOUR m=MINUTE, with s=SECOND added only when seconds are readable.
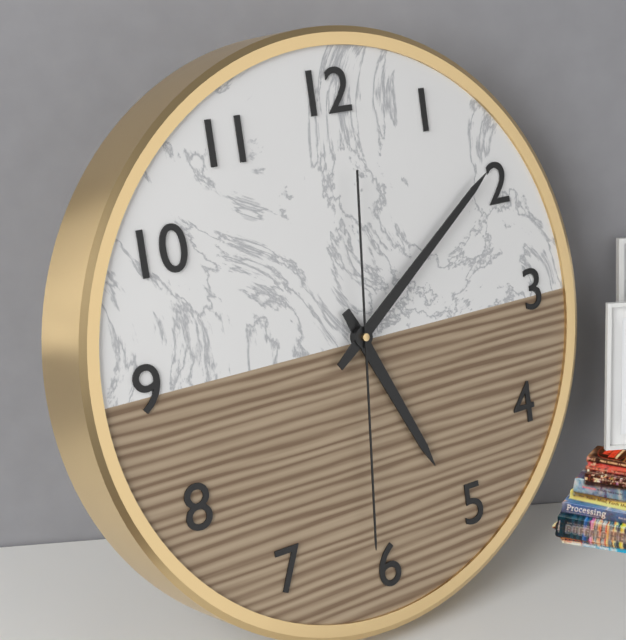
h=5 m=9 s=31
